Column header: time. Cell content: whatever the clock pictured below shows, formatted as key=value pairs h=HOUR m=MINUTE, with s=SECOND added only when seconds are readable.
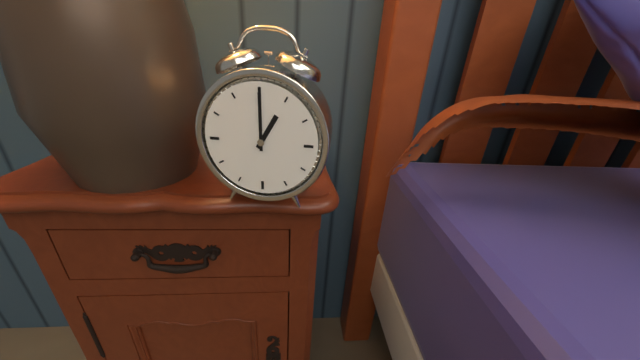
h=1 m=0
